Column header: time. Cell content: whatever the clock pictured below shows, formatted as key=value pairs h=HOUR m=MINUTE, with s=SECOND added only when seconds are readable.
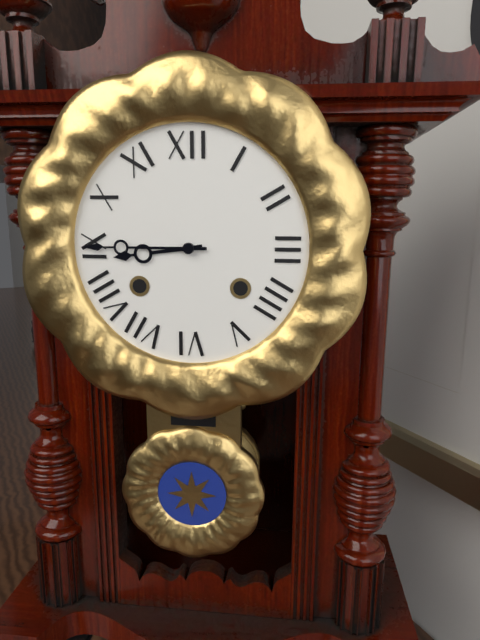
h=8 m=45
